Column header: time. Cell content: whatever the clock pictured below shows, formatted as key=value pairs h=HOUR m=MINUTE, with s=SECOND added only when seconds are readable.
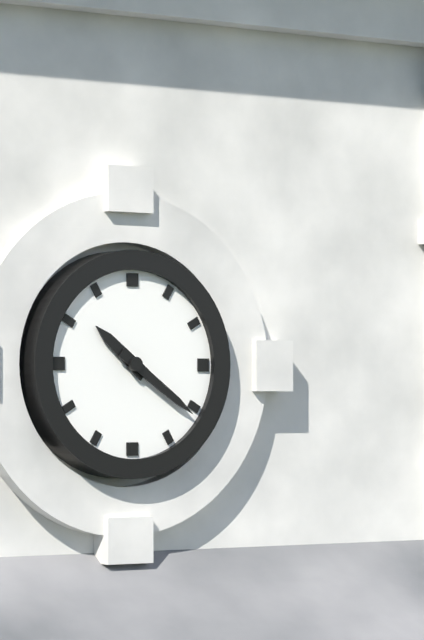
h=10 m=21
